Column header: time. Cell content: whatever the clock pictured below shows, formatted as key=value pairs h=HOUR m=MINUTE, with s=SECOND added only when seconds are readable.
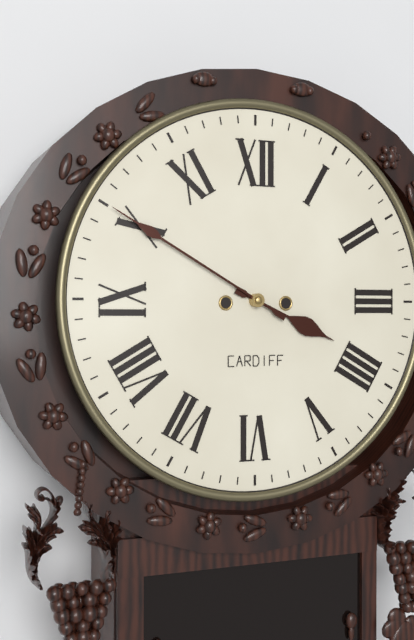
h=3 m=50
